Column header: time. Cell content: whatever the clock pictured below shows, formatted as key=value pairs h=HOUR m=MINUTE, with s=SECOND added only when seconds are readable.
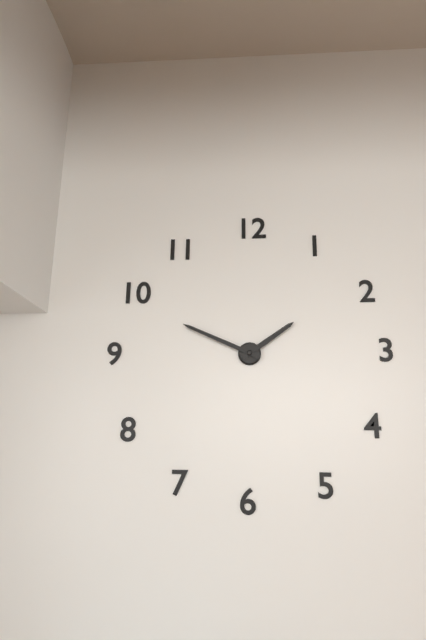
h=1 m=49
